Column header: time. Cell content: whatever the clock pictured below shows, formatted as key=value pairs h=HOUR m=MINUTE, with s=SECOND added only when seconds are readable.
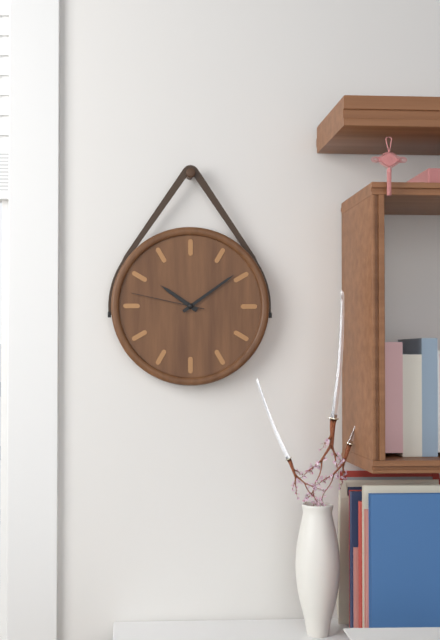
h=10 m=9 s=47
